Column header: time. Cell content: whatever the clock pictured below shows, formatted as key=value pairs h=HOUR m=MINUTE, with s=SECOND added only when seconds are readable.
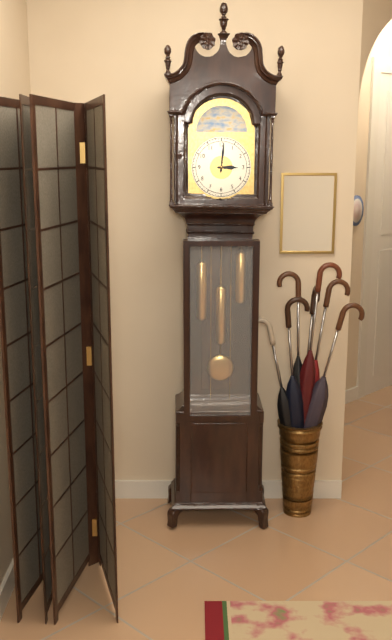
h=3 m=1
